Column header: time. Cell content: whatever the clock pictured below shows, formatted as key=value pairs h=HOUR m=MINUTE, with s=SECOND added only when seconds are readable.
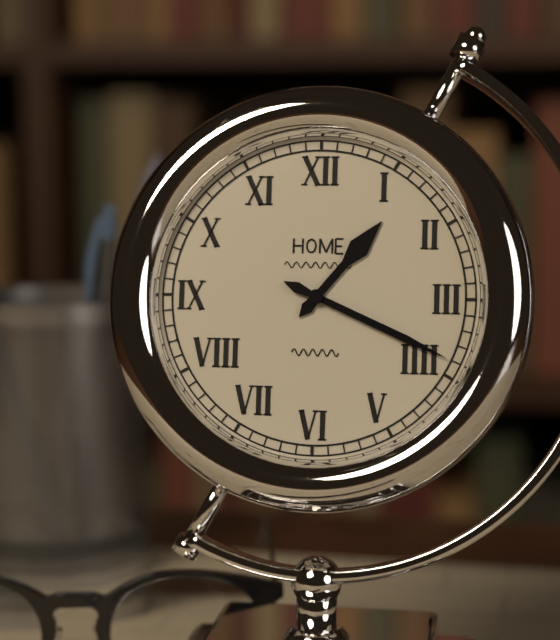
h=1 m=19
